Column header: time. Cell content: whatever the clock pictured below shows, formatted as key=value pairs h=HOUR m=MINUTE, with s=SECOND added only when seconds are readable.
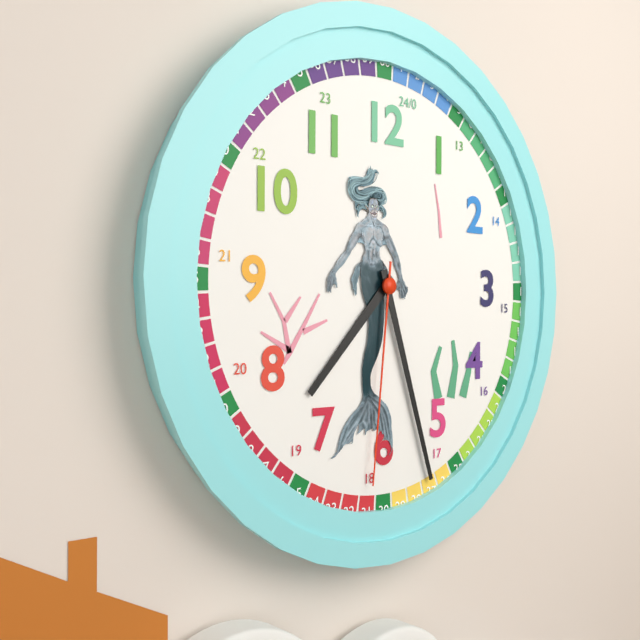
h=7 m=27 s=31
